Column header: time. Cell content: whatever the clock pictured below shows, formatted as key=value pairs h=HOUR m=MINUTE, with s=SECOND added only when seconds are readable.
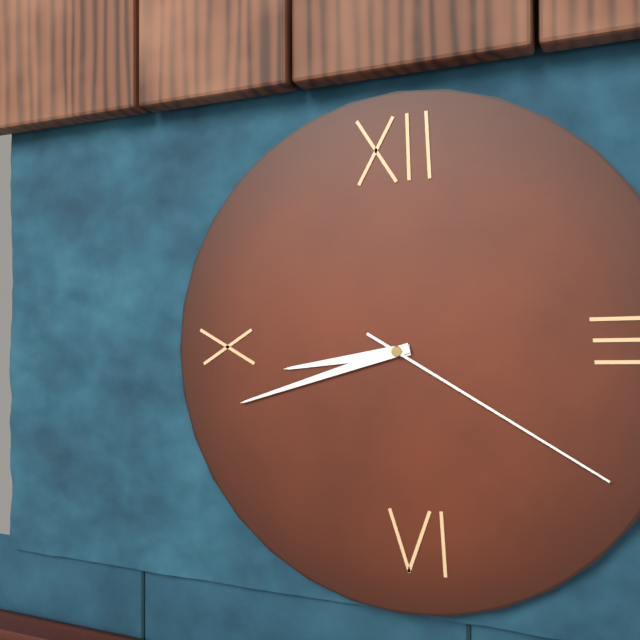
h=8 m=42 s=20
